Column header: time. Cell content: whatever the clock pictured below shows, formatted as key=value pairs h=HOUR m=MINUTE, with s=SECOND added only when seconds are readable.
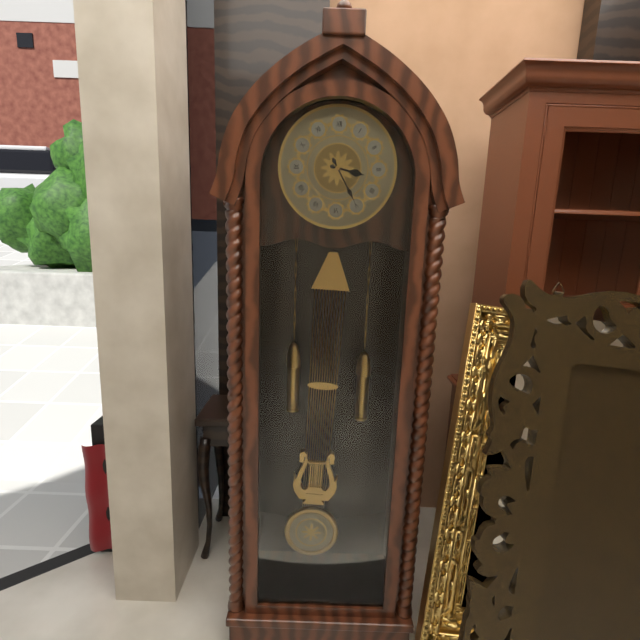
h=3 m=25
